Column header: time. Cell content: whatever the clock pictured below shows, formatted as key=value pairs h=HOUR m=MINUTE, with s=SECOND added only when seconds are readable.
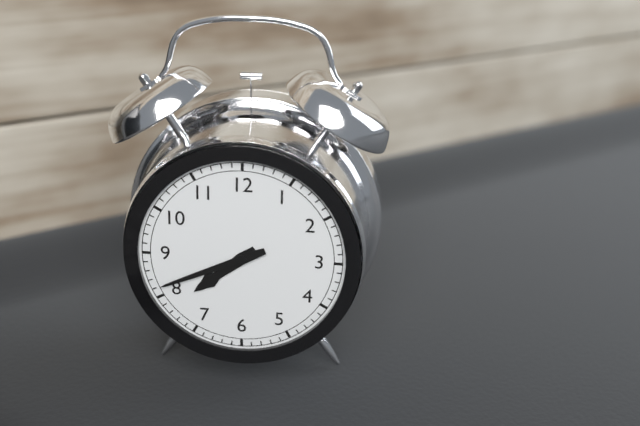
h=7 m=41
